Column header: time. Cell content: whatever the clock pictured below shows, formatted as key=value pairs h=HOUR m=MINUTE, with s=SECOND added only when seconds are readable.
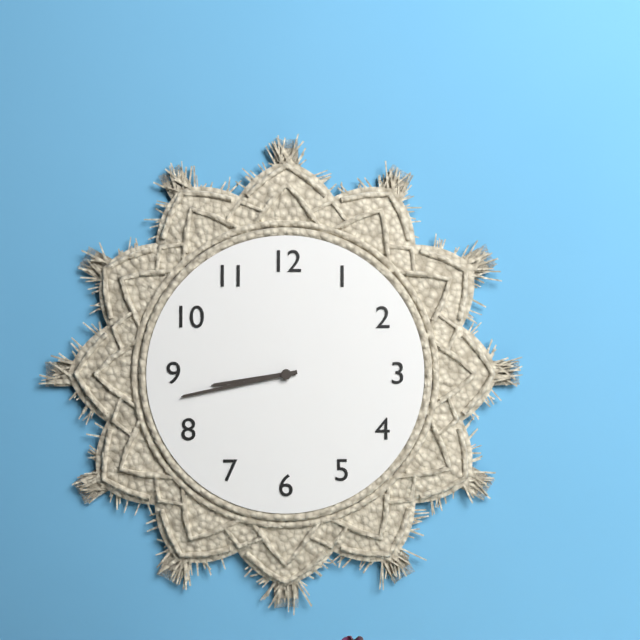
h=8 m=43
